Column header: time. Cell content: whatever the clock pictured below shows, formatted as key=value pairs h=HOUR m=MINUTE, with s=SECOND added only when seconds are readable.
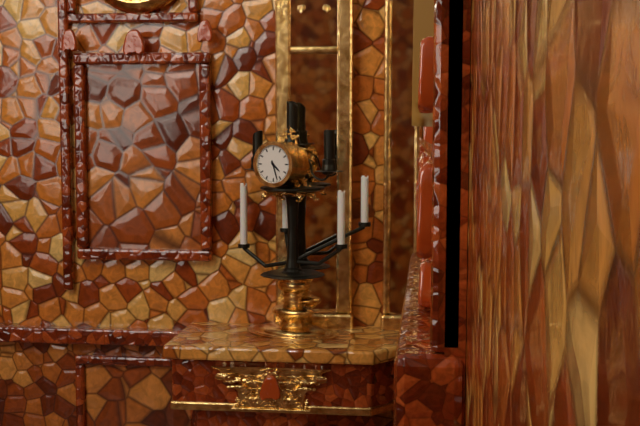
h=4 m=27
